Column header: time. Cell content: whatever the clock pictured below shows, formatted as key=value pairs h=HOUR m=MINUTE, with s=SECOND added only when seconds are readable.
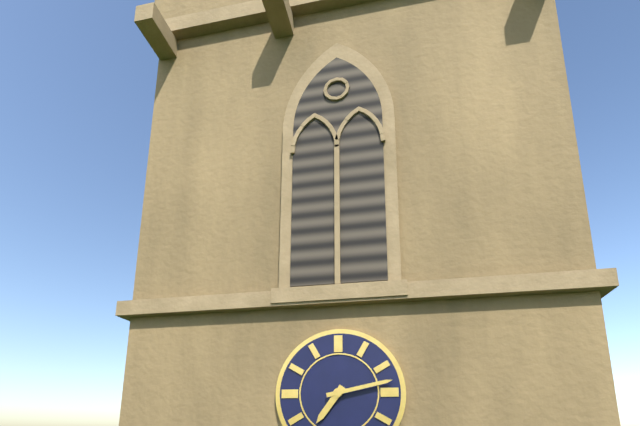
h=7 m=13
